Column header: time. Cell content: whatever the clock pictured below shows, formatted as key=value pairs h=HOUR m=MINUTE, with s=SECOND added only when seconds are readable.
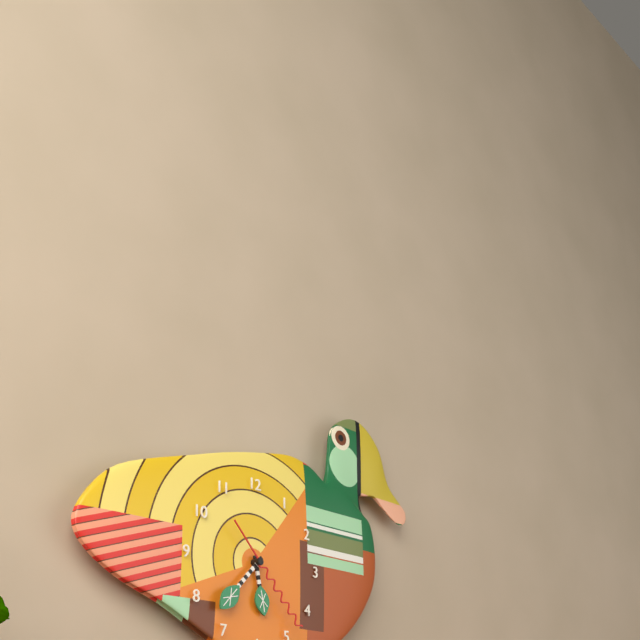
h=5 m=37 s=23
